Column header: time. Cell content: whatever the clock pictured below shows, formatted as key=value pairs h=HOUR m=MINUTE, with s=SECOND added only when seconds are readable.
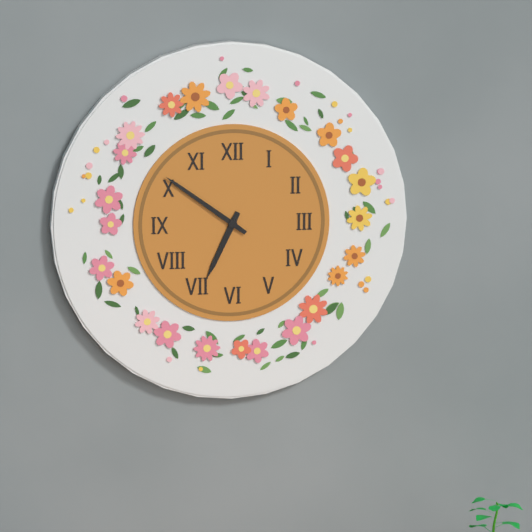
h=6 m=51
